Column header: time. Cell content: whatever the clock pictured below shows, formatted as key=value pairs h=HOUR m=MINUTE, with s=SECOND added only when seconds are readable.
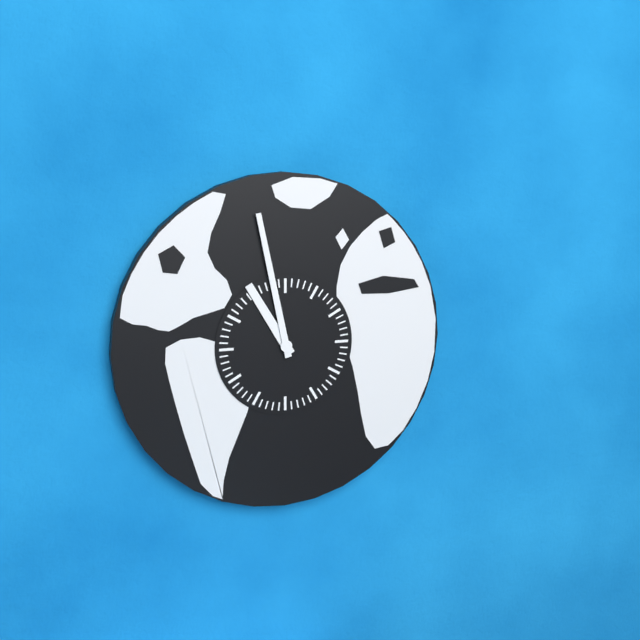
h=10 m=58
